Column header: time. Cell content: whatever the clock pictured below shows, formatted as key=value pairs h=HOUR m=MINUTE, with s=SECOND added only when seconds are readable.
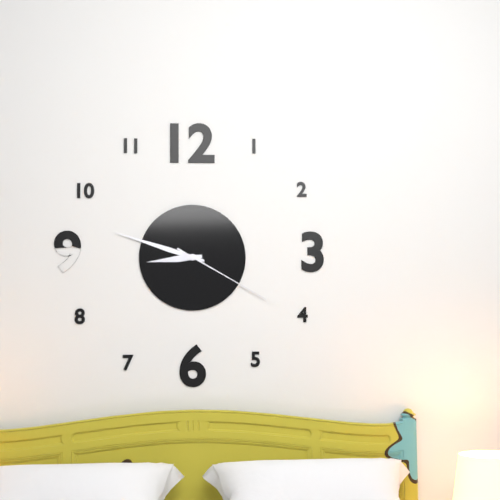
h=8 m=48 s=20
